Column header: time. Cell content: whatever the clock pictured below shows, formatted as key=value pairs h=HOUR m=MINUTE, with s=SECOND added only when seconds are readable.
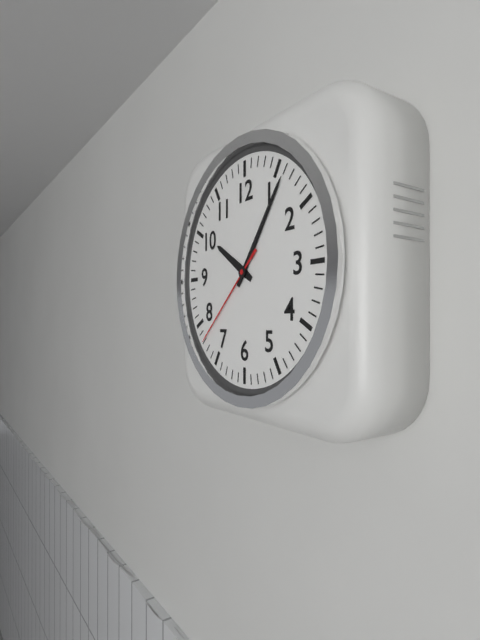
h=10 m=6 s=38
